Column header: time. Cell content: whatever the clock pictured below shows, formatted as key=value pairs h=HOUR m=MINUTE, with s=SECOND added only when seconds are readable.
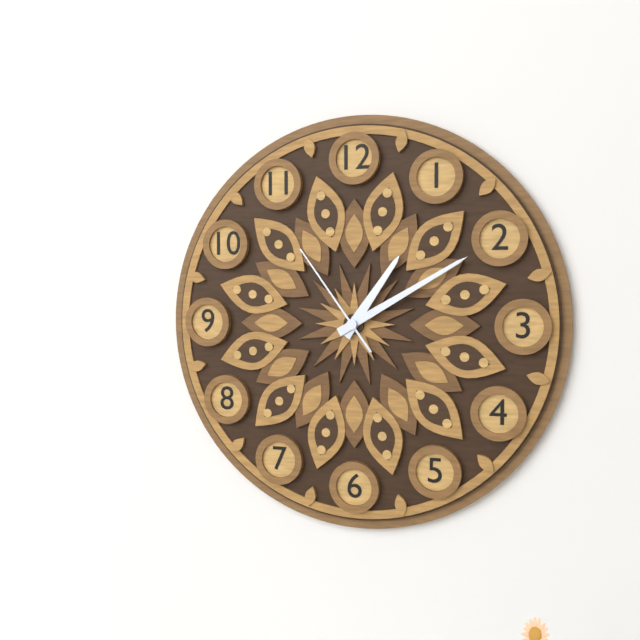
h=1 m=10 s=54
